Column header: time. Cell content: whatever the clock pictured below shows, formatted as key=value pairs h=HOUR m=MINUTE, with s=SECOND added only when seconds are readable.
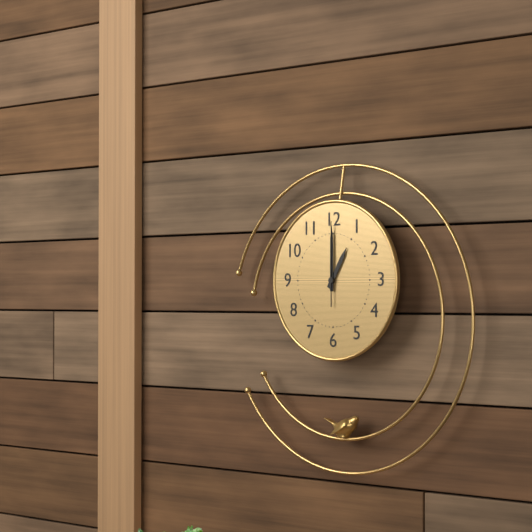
h=1 m=0 s=0
